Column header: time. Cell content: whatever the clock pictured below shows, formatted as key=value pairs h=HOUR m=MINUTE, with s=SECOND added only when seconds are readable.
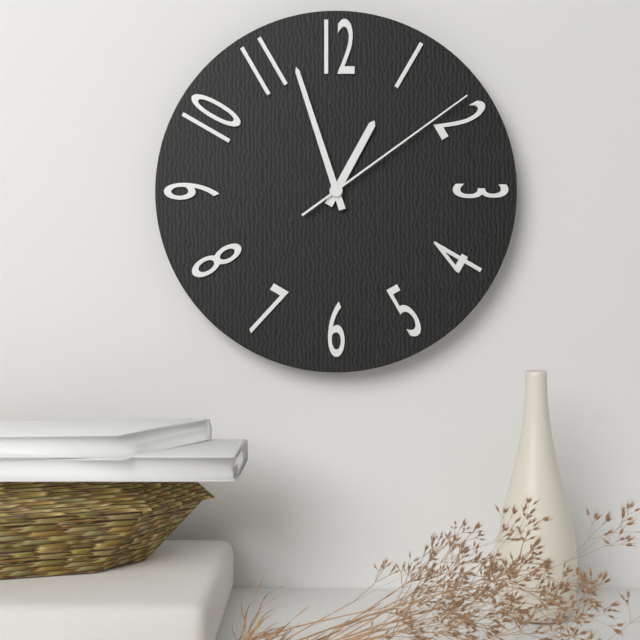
h=12 m=57 s=9
